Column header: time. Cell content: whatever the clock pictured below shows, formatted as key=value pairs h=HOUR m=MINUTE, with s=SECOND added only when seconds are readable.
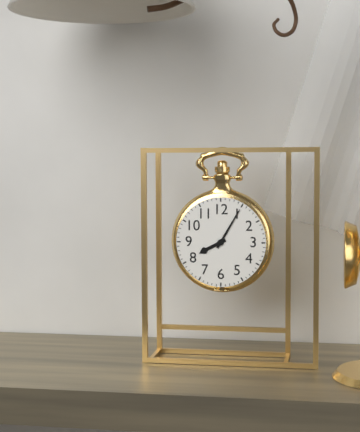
h=8 m=5
